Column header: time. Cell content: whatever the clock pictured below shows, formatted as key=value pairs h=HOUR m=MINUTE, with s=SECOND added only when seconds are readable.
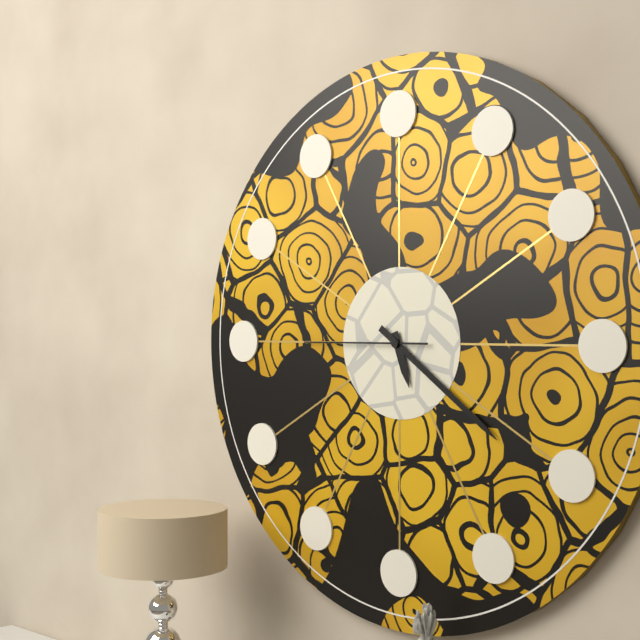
h=5 m=21 s=45
